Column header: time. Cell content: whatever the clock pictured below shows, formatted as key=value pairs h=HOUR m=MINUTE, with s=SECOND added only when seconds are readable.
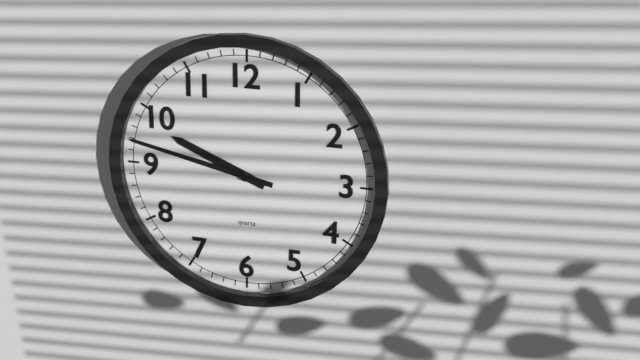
h=9 m=47
